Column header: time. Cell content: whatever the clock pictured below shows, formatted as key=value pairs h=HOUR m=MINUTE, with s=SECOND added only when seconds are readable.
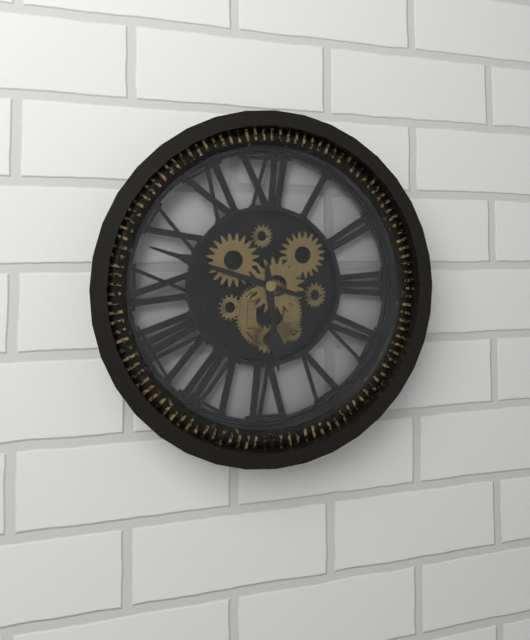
h=5 m=48
